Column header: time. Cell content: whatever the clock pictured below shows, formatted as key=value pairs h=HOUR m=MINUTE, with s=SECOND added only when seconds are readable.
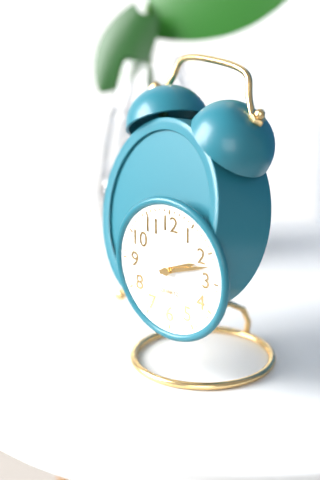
h=2 m=12
